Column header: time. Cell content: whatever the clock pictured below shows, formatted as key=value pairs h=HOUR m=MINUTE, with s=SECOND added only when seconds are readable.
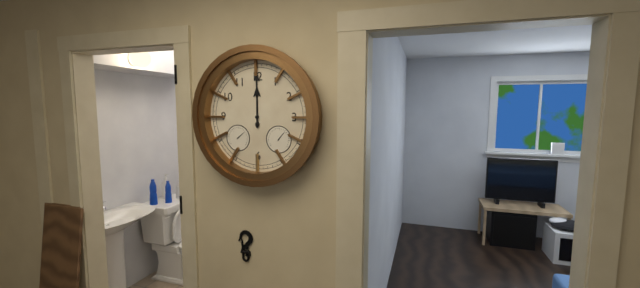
h=12 m=0
